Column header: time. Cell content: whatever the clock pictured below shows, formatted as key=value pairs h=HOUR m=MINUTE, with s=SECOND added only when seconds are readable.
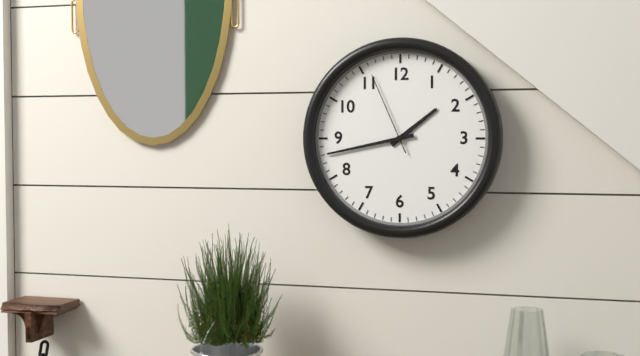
h=1 m=43 s=56
